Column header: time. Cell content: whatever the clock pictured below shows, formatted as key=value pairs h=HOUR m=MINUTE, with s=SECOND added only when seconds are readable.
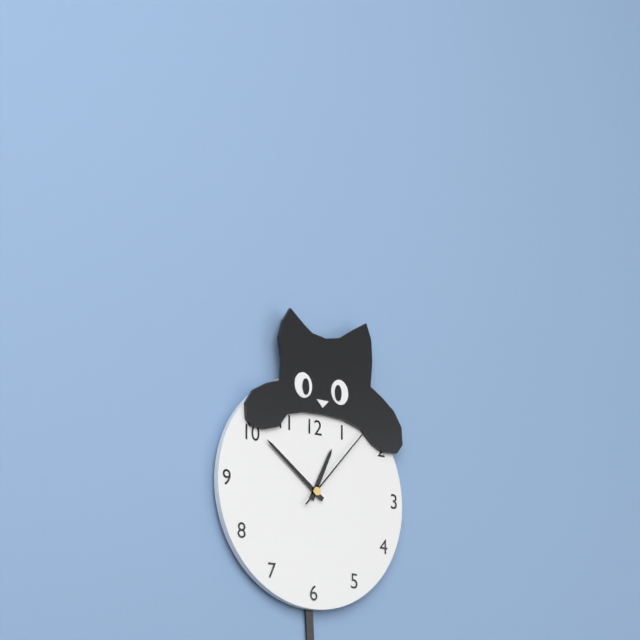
h=12 m=51 s=7
